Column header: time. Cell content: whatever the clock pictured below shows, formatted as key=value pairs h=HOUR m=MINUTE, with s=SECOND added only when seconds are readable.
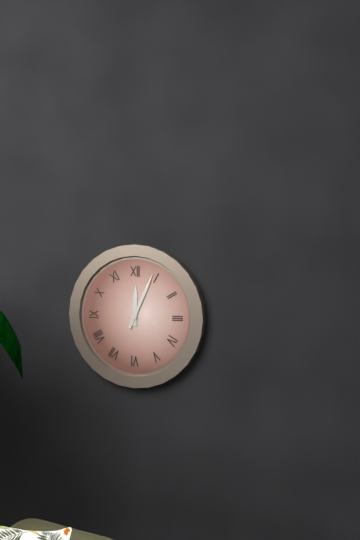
h=12 m=4
